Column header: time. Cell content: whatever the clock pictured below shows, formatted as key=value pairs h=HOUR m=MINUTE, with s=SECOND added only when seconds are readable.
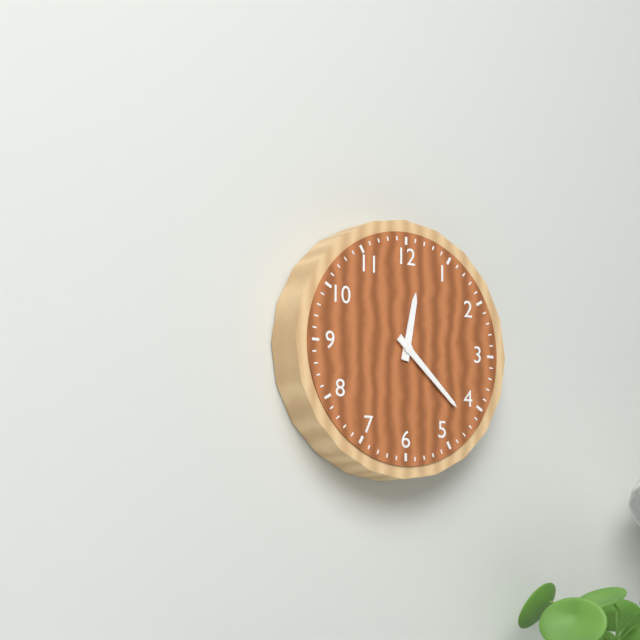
h=12 m=22
